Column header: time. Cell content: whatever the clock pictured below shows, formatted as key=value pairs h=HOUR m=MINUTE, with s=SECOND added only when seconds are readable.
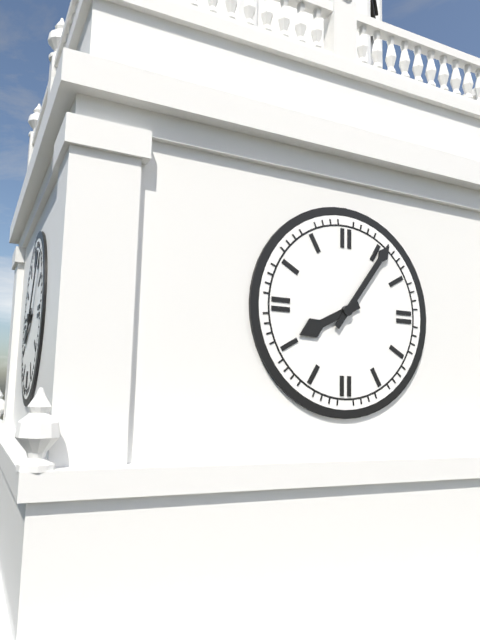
h=8 m=6
